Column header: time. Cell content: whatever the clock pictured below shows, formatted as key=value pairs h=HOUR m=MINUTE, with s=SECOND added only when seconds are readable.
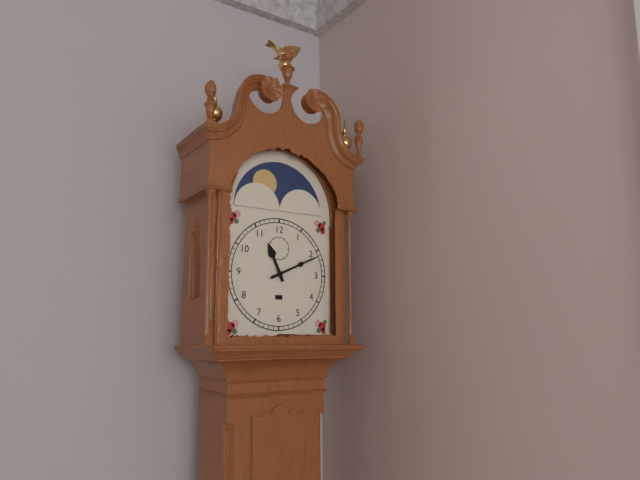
h=11 m=11
